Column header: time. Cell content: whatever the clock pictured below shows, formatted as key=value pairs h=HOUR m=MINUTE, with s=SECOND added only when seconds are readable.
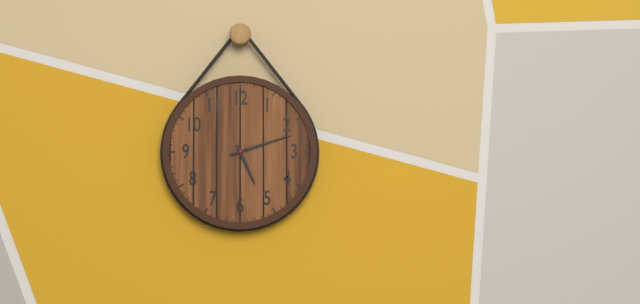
h=5 m=12
